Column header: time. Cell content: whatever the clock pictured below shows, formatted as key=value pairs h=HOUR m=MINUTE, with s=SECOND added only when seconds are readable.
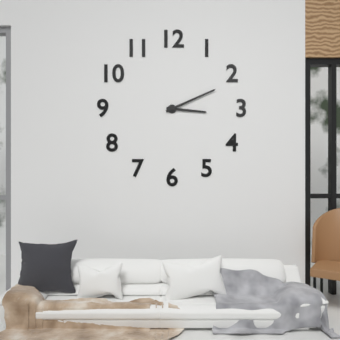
h=3 m=11
